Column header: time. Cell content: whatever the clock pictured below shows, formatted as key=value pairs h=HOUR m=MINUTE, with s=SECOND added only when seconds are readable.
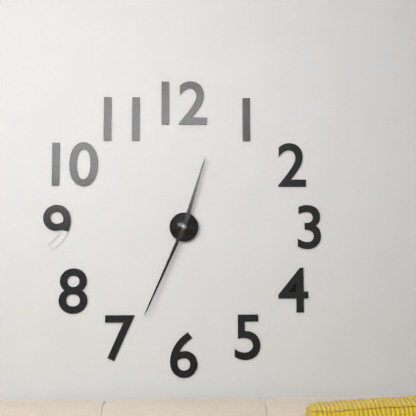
h=12 m=34
